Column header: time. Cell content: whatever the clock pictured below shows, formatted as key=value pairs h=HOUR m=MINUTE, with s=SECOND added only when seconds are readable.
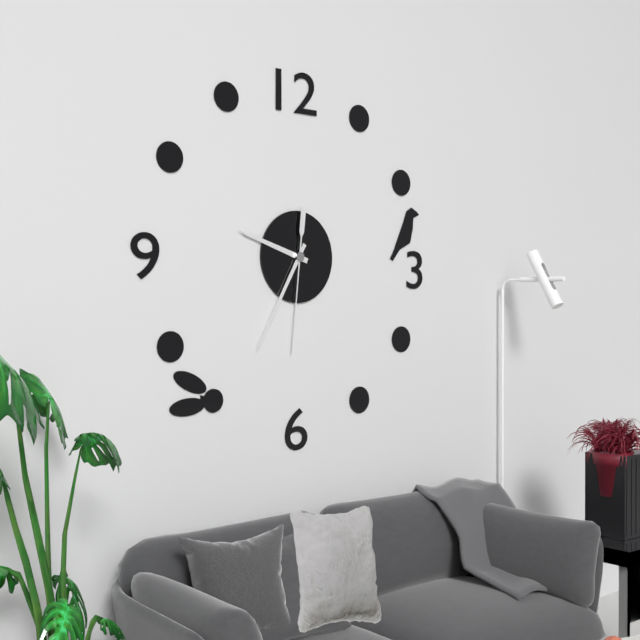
h=9 m=35 s=31
